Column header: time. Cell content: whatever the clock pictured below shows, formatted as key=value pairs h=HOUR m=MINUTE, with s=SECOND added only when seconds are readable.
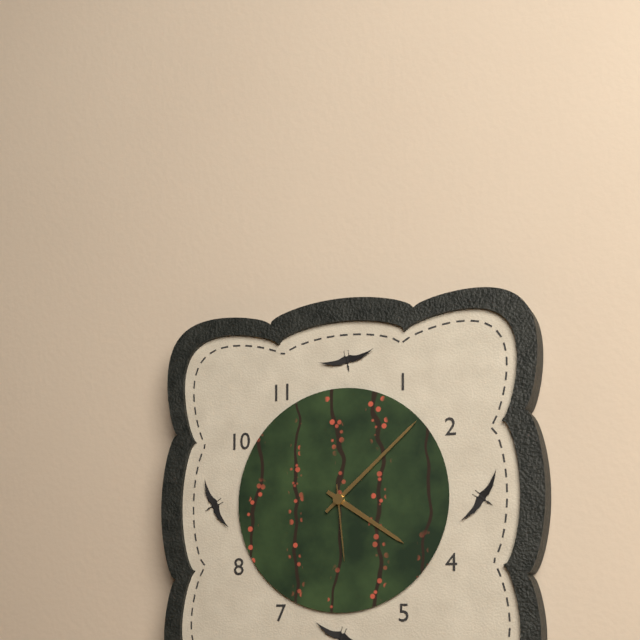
h=4 m=8 s=29
